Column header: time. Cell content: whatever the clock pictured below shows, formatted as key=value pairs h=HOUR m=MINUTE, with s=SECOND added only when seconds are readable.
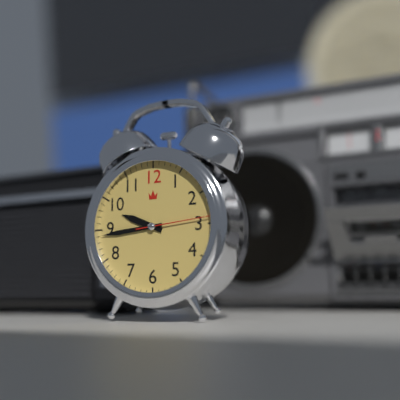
h=9 m=44 s=14
